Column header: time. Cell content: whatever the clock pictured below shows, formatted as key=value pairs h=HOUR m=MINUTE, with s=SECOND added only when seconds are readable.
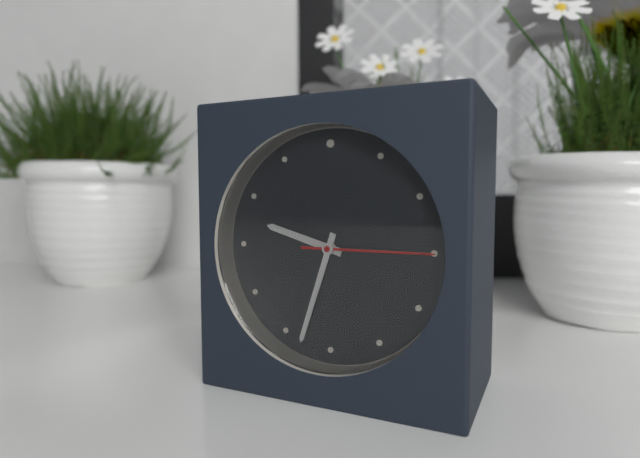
h=9 m=33 s=15
